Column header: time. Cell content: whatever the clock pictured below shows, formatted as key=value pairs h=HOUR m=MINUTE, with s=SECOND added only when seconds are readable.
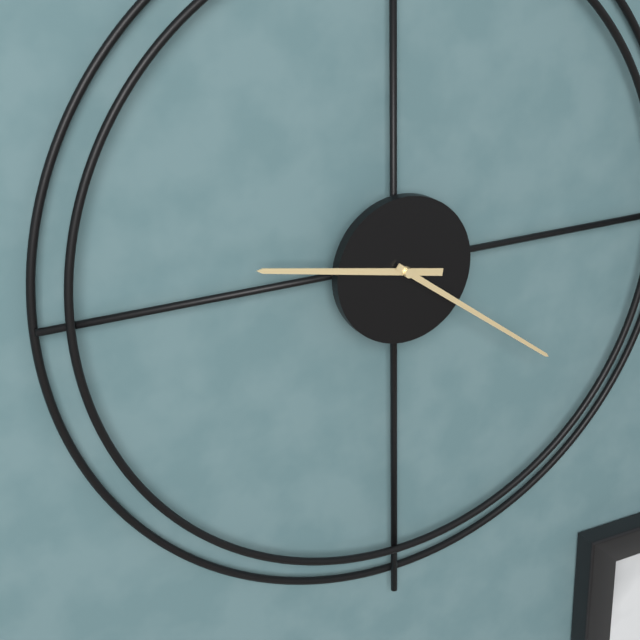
h=9 m=21
